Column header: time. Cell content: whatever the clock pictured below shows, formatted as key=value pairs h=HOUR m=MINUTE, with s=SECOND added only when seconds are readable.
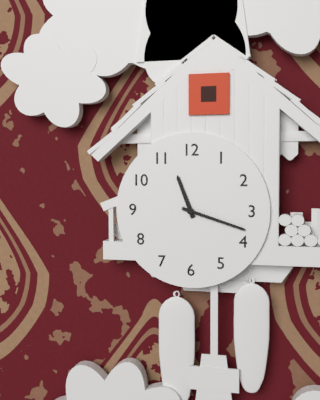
h=11 m=18
